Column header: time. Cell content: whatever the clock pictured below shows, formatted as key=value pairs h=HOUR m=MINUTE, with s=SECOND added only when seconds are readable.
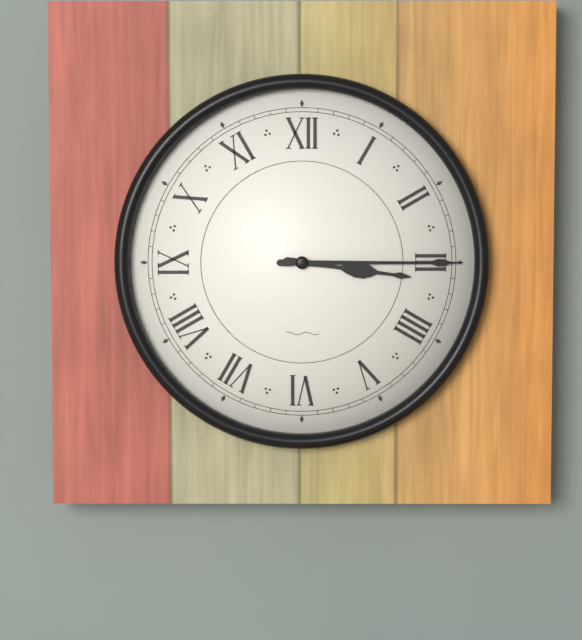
h=3 m=15
